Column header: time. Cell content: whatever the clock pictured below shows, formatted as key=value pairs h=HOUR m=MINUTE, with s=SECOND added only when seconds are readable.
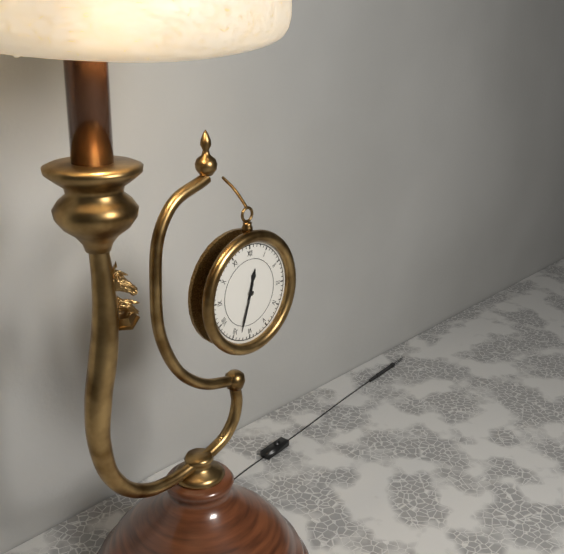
h=12 m=33
